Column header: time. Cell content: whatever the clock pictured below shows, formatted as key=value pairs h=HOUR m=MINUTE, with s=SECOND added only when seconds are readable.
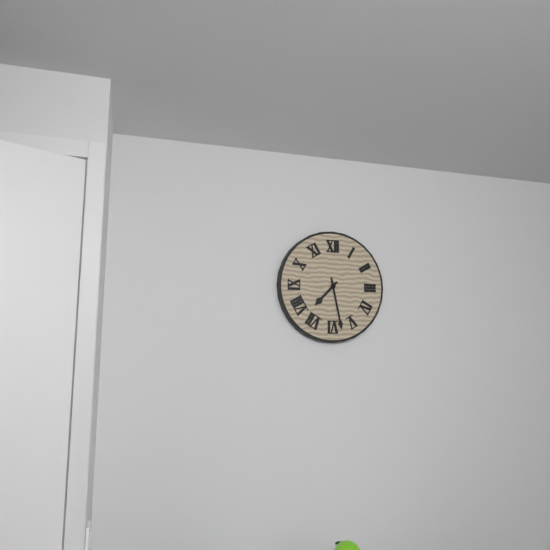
h=7 m=28
